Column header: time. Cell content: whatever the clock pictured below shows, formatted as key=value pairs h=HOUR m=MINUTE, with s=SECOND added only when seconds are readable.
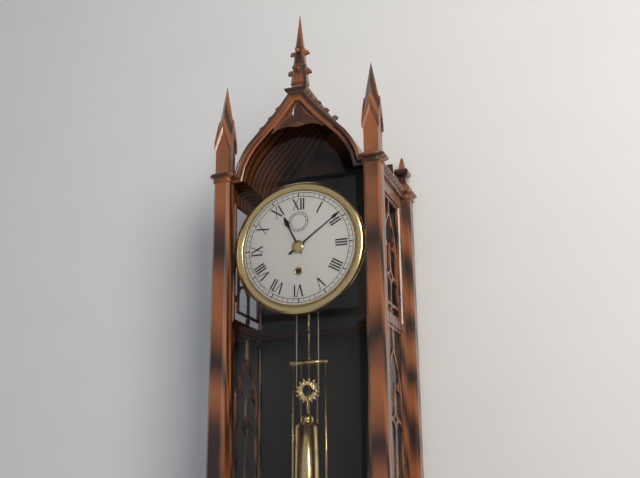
h=11 m=9
